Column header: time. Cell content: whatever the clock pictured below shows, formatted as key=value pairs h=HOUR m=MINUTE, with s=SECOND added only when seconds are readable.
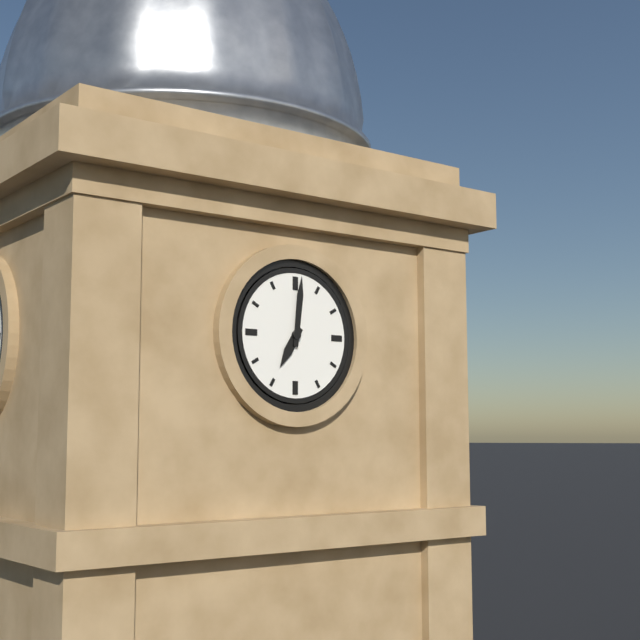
h=7 m=1
